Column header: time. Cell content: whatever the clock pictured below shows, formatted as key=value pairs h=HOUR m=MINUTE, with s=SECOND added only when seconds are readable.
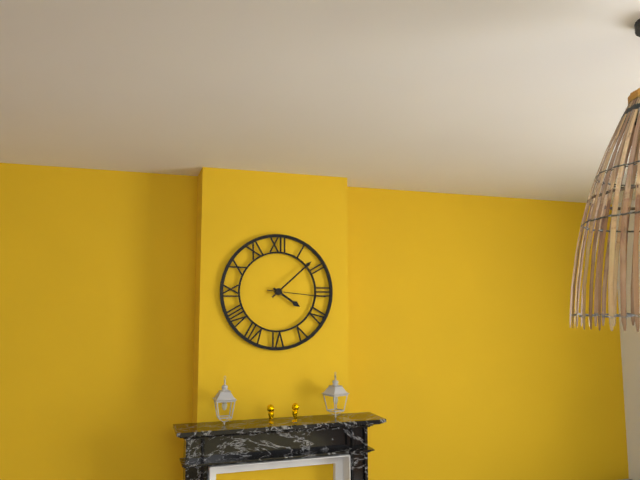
h=4 m=8 s=16
